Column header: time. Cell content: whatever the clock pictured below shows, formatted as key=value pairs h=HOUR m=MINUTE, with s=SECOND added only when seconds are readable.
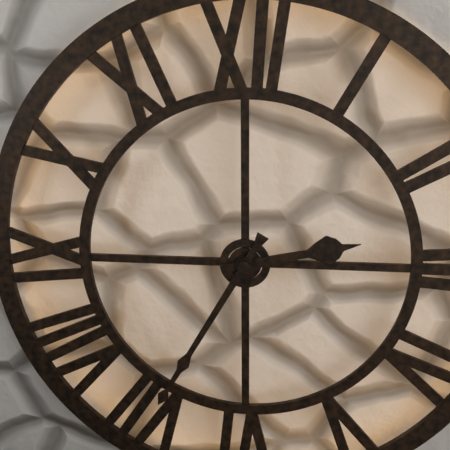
h=2 m=35
